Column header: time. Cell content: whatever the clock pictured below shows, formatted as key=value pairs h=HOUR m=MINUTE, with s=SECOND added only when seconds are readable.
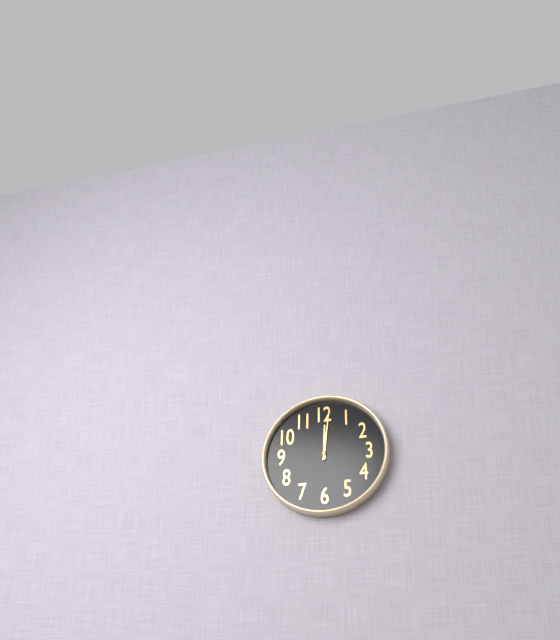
h=12 m=1
